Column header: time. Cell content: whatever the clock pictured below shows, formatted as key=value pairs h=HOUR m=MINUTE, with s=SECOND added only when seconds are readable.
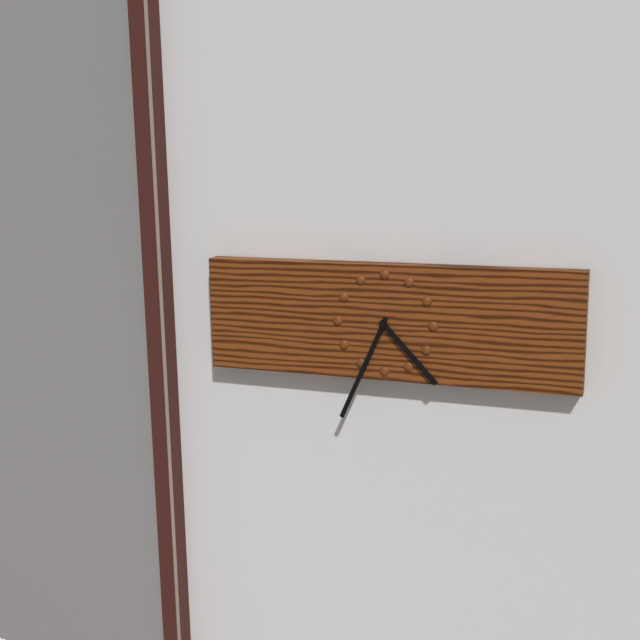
h=4 m=34
